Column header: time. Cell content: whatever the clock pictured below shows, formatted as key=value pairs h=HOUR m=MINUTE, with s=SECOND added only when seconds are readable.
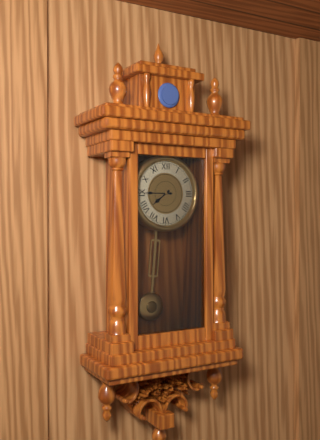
h=7 m=45
